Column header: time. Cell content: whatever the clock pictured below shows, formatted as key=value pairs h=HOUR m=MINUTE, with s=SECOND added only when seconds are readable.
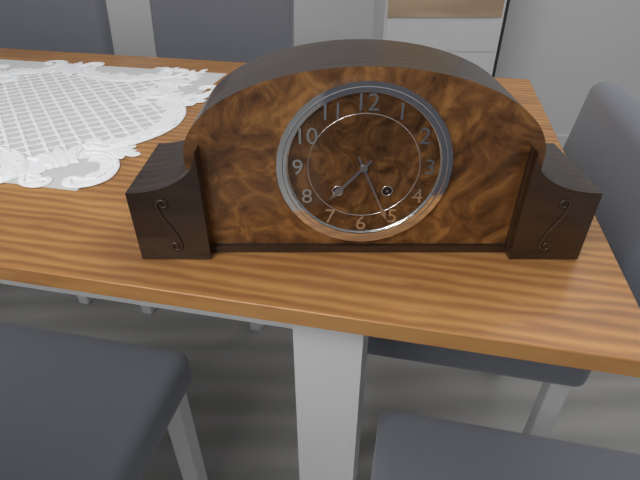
h=7 m=26
